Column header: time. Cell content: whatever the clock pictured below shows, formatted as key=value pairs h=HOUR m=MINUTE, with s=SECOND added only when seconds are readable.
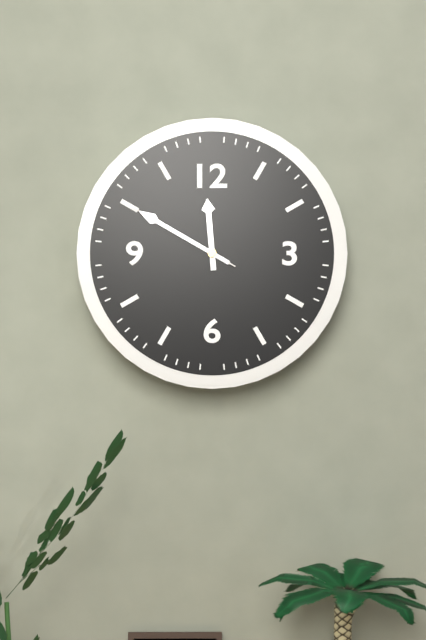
h=11 m=50 s=50
